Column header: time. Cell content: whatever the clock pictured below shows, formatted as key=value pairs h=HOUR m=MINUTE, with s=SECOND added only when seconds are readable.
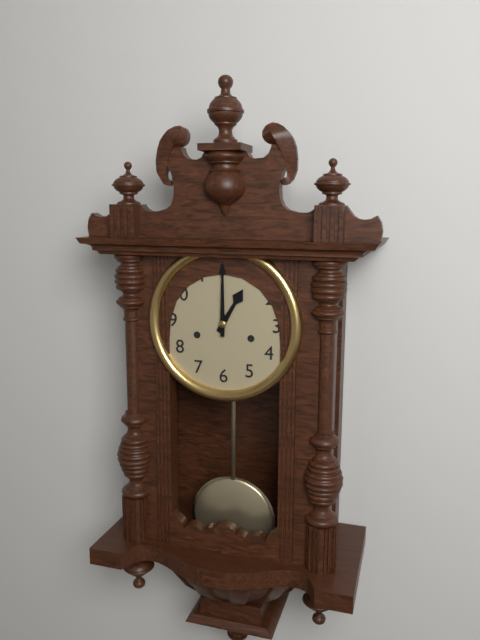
h=1 m=0
